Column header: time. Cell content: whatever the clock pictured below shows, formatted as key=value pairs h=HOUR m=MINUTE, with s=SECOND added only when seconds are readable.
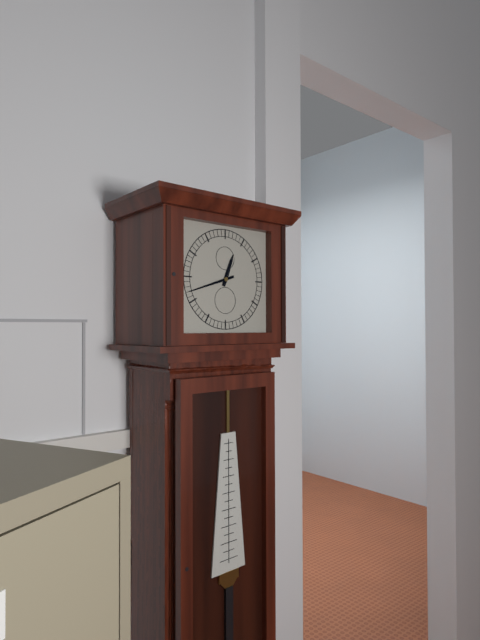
h=12 m=42
